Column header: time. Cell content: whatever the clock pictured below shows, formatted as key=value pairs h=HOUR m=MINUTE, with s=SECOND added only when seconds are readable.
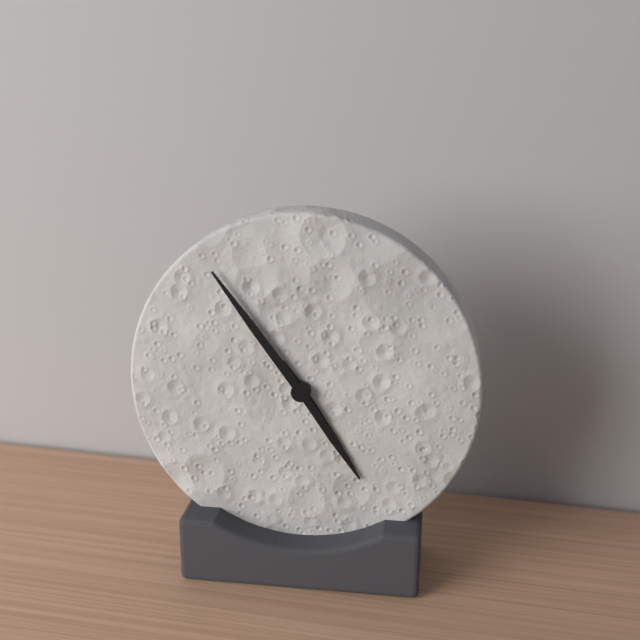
h=4 m=54
